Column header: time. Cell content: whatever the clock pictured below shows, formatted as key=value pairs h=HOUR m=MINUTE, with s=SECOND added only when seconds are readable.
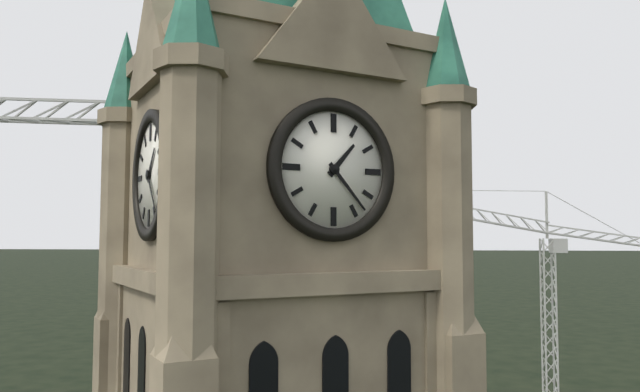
h=1 m=23
